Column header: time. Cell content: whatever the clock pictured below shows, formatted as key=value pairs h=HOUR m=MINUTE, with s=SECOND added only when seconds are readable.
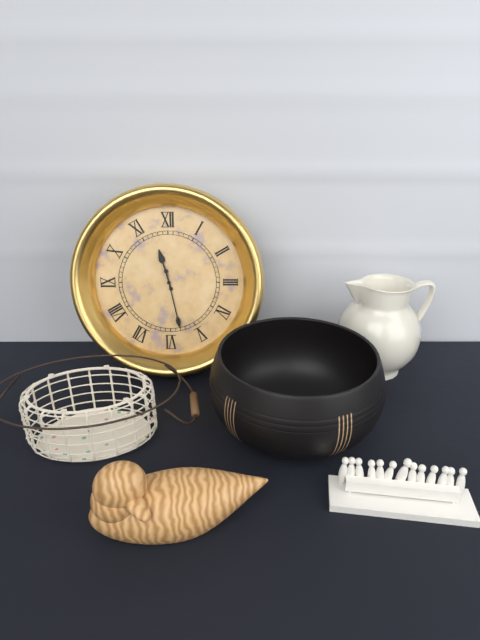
h=11 m=28
